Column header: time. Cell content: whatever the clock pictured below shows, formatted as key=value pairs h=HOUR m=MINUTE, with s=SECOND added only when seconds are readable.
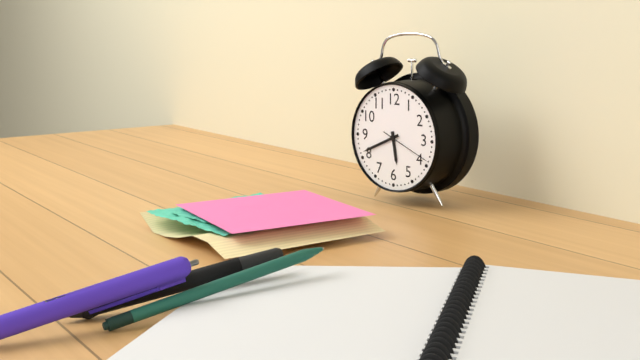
h=5 m=41
